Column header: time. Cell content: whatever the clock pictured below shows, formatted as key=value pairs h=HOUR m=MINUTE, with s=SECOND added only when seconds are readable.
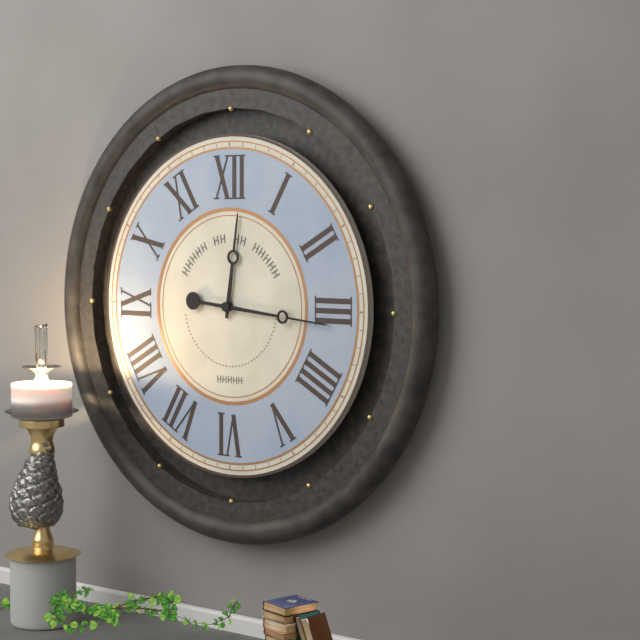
h=12 m=16
